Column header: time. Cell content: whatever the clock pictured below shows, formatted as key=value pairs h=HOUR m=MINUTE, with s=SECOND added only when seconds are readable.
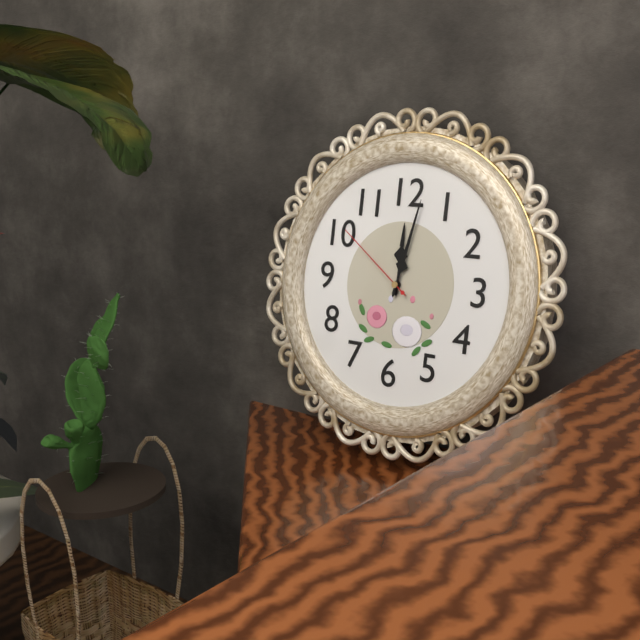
h=12 m=2 s=51
